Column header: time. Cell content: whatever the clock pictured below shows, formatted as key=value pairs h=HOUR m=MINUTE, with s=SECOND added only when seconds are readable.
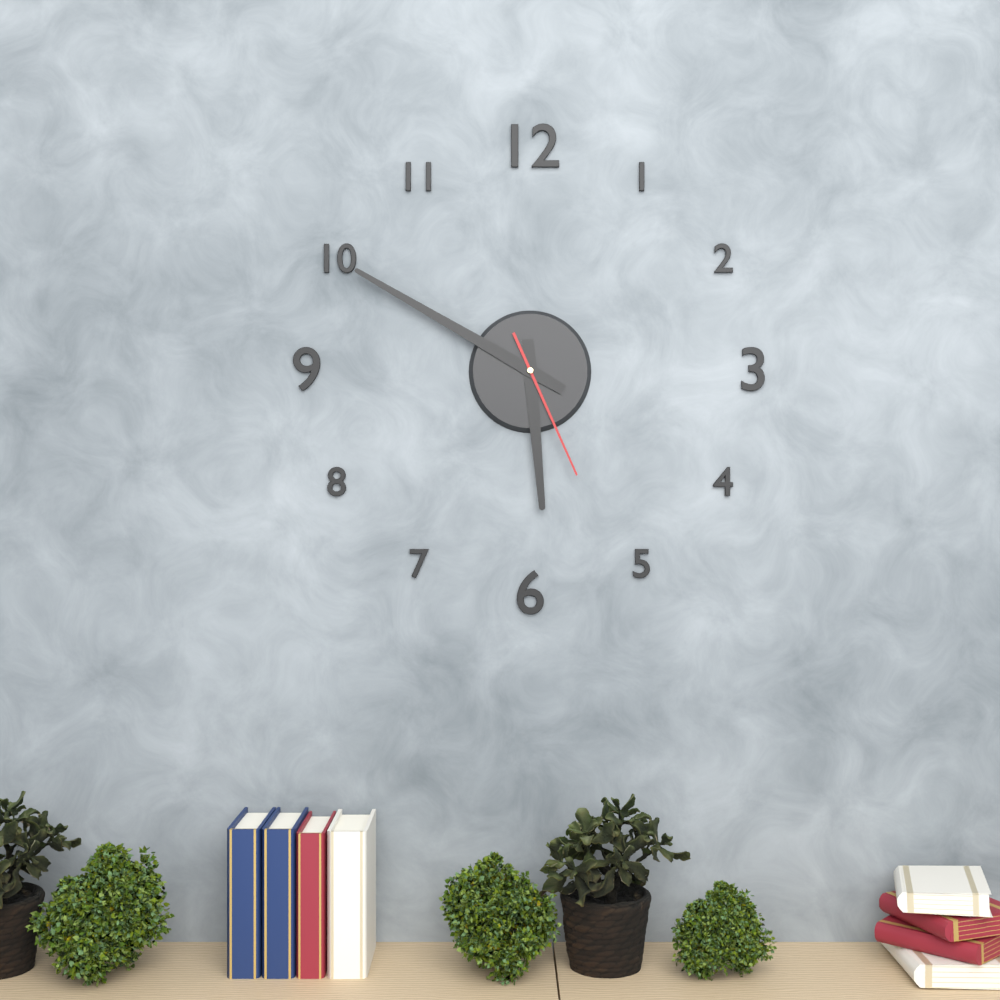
h=5 m=50 s=26
